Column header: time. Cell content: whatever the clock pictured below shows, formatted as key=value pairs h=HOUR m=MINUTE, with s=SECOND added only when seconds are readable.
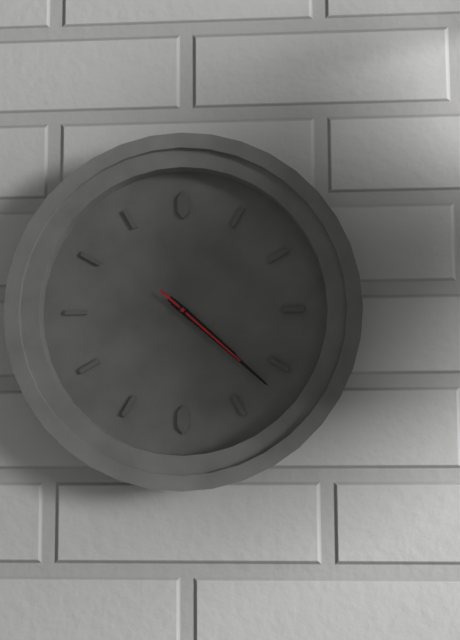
h=4 m=22 s=22
